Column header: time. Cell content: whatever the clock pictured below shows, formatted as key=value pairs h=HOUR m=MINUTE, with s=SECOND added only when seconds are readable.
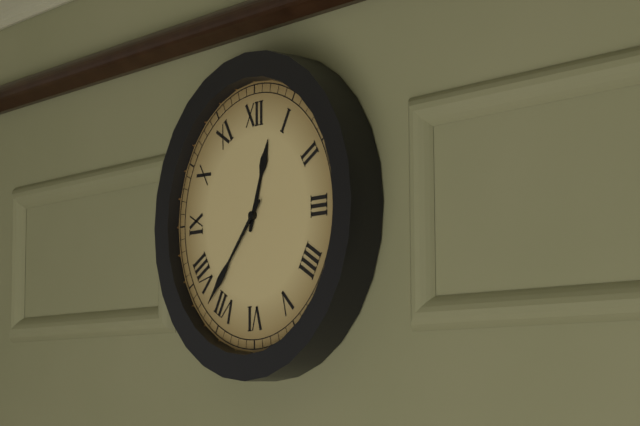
h=12 m=37
